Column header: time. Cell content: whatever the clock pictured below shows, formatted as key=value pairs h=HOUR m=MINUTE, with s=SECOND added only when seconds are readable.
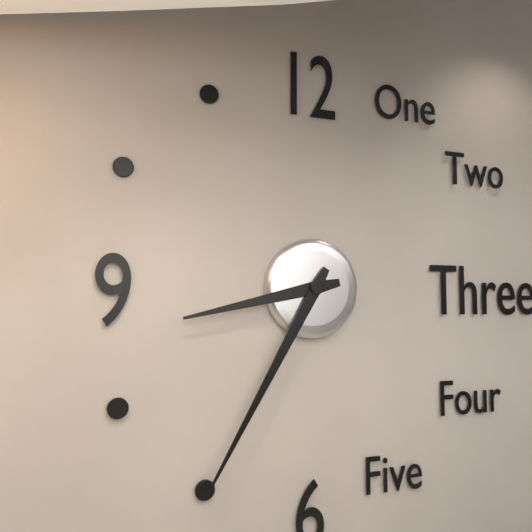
h=8 m=35
